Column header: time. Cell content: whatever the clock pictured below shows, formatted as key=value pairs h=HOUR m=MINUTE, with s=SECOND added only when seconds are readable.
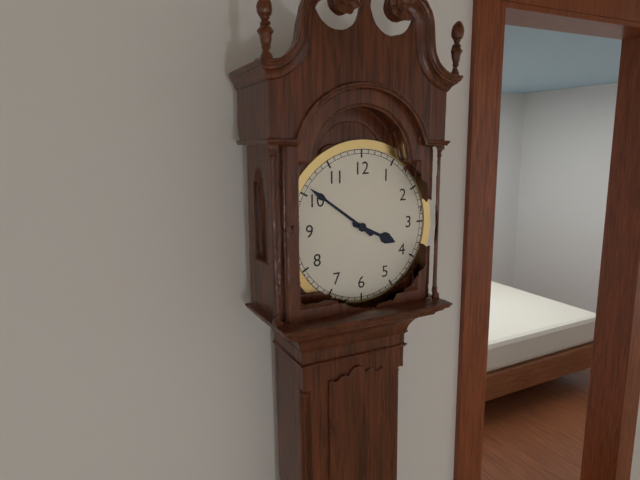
h=3 m=51
